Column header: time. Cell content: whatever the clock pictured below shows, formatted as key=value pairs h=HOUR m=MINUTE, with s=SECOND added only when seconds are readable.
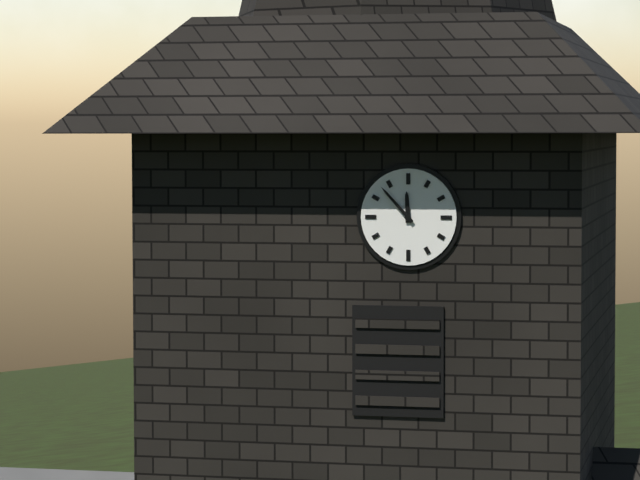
h=11 m=53
